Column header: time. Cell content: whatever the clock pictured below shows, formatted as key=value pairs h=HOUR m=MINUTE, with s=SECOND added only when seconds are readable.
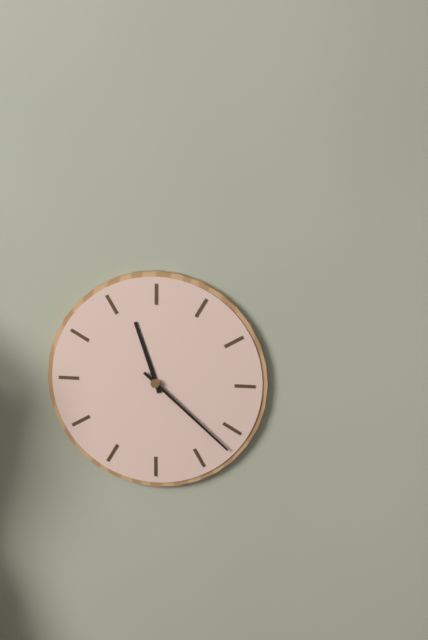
h=11 m=22
